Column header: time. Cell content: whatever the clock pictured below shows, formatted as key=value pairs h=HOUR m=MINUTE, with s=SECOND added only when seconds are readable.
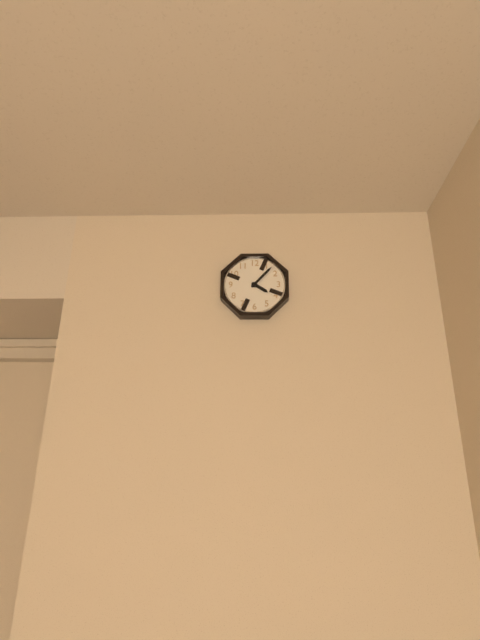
h=4 m=7
